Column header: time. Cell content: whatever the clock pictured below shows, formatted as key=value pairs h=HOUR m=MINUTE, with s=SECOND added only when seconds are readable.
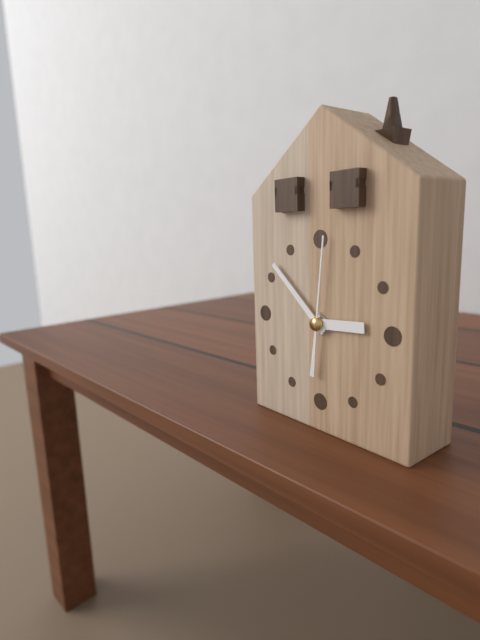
h=2 m=52 s=1
